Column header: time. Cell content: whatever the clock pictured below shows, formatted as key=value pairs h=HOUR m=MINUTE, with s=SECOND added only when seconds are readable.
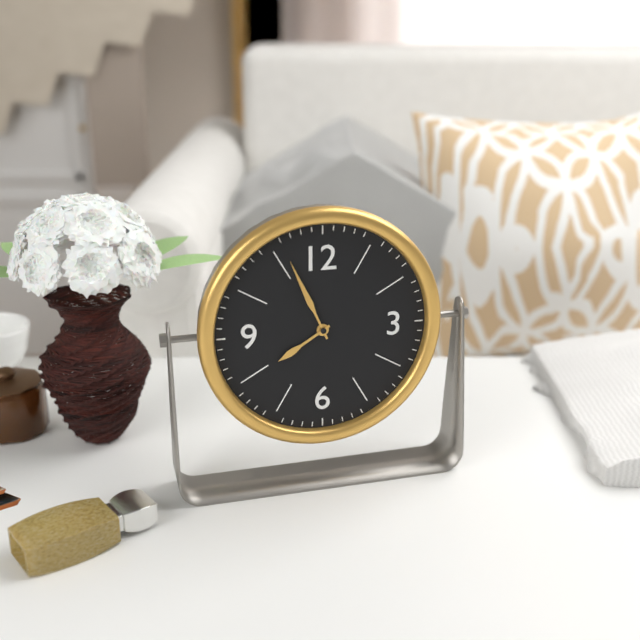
h=7 m=56
